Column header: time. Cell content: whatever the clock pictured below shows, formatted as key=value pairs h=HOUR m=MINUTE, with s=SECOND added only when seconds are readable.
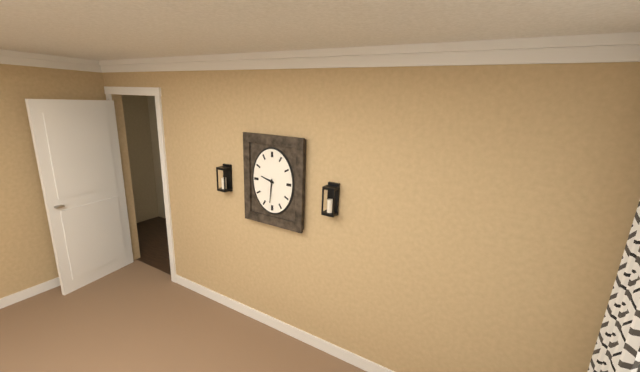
h=9 m=31
